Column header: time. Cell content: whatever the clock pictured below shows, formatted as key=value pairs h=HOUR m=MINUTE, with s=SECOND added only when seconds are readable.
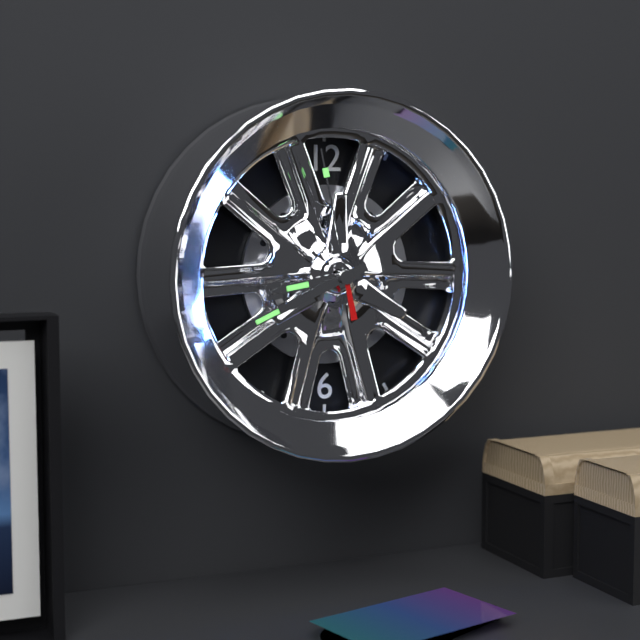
h=8 m=41 s=58
